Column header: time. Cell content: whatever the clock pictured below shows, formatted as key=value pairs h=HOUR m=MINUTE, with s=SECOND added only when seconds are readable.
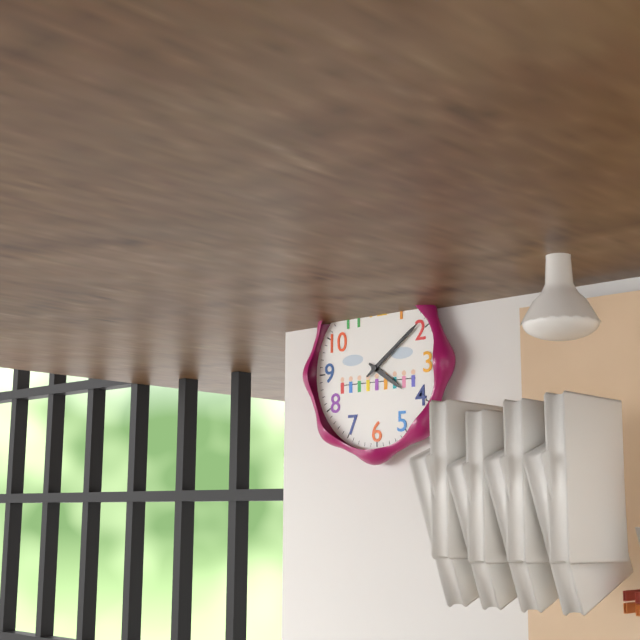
h=4 m=9
